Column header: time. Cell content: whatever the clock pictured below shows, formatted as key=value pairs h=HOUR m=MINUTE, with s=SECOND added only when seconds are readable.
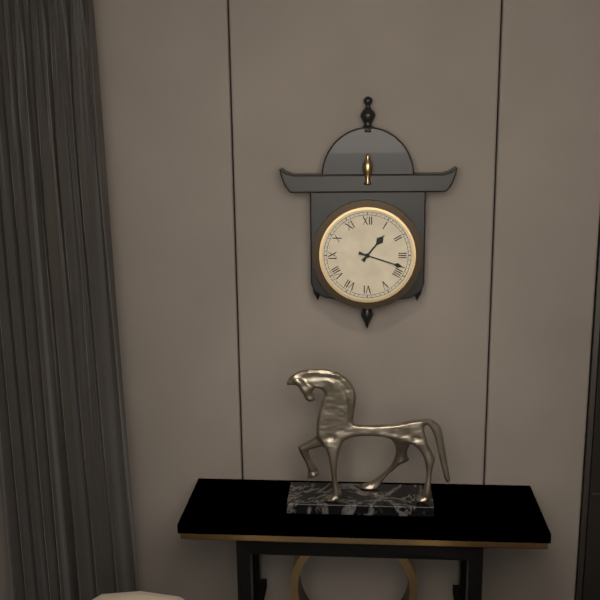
h=1 m=18
